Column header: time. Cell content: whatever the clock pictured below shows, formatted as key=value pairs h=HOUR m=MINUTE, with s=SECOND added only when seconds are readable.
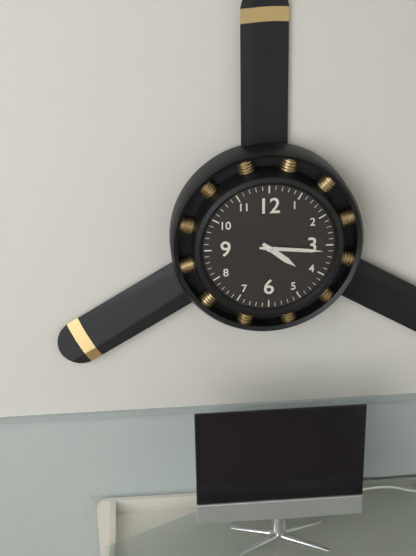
h=4 m=16
